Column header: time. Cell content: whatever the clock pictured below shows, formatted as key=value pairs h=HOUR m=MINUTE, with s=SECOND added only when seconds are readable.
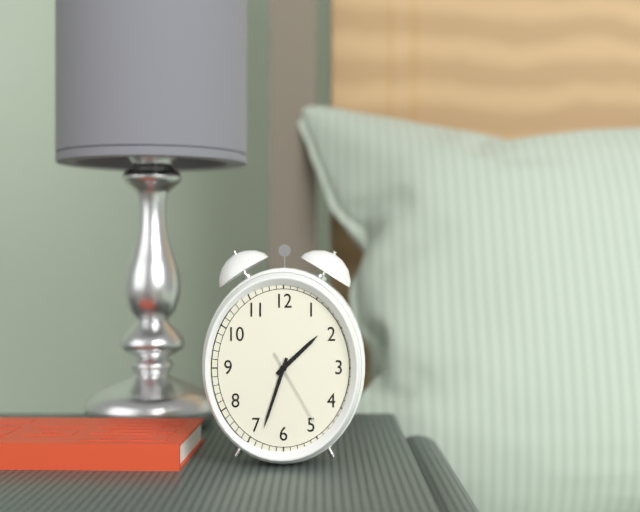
h=1 m=33 s=25
